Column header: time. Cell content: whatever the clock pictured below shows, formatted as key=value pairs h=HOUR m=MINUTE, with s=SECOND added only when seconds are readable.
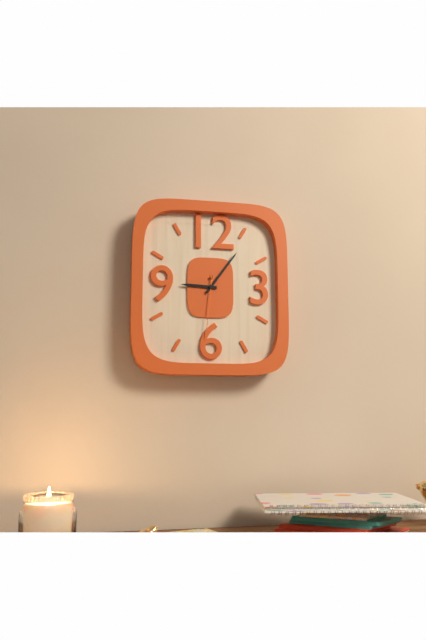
h=9 m=6 s=31
